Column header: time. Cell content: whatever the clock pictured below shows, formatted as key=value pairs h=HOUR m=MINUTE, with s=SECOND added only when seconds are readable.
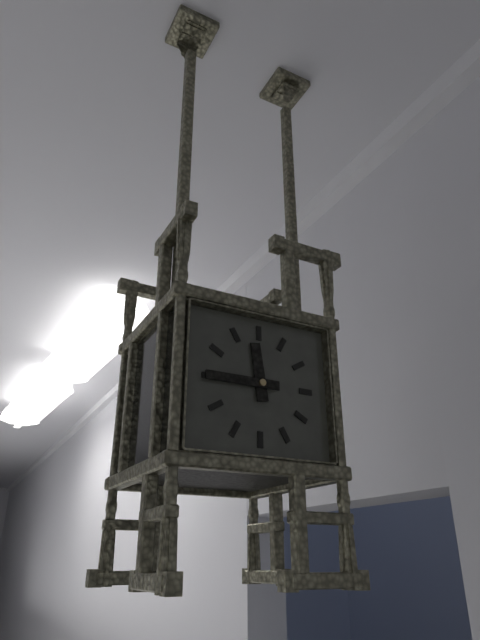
h=11 m=45
